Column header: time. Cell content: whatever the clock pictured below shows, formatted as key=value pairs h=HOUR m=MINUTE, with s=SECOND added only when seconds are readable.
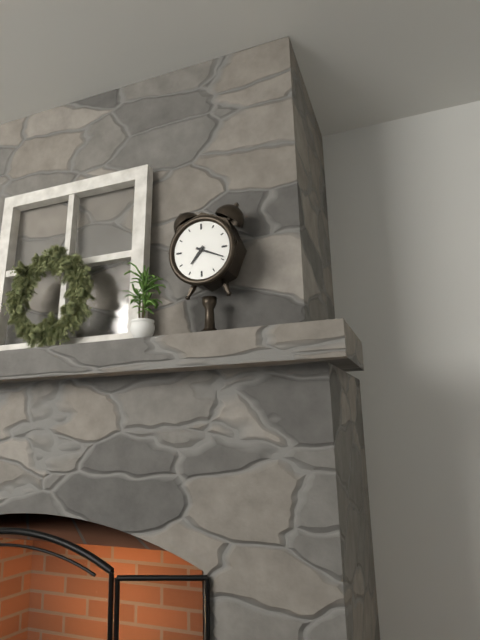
h=7 m=19
